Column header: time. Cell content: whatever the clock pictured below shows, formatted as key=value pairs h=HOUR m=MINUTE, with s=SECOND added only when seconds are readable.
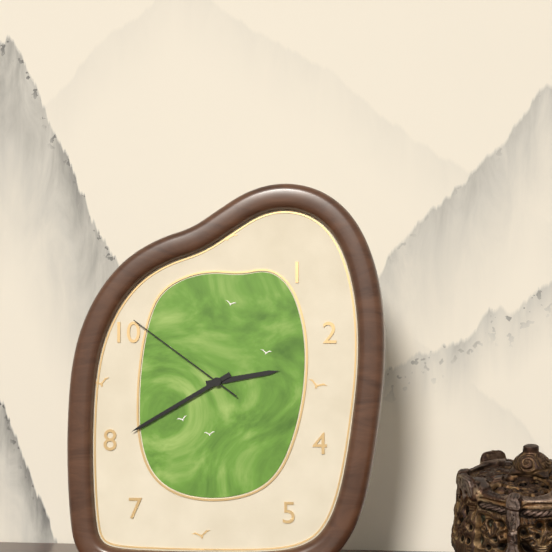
h=2 m=40 s=51
